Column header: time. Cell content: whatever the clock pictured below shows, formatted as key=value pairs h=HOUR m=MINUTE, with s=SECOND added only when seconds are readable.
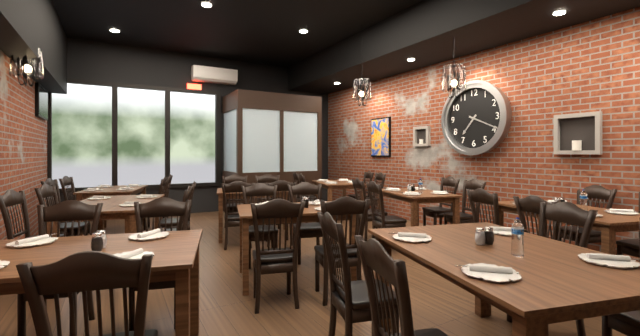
h=7 m=19
